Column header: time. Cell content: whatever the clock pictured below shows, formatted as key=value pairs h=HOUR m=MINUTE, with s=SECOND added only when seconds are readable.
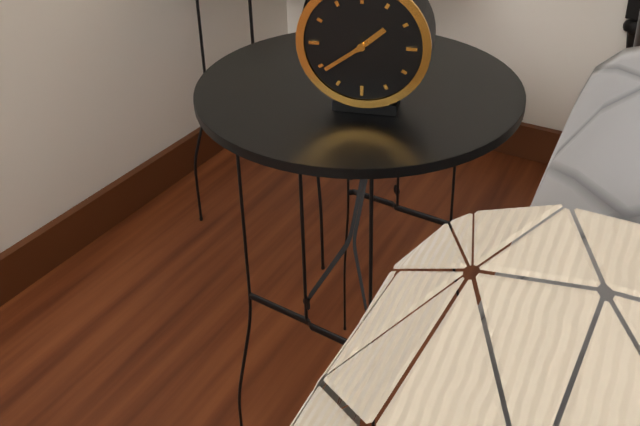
h=1 m=39
